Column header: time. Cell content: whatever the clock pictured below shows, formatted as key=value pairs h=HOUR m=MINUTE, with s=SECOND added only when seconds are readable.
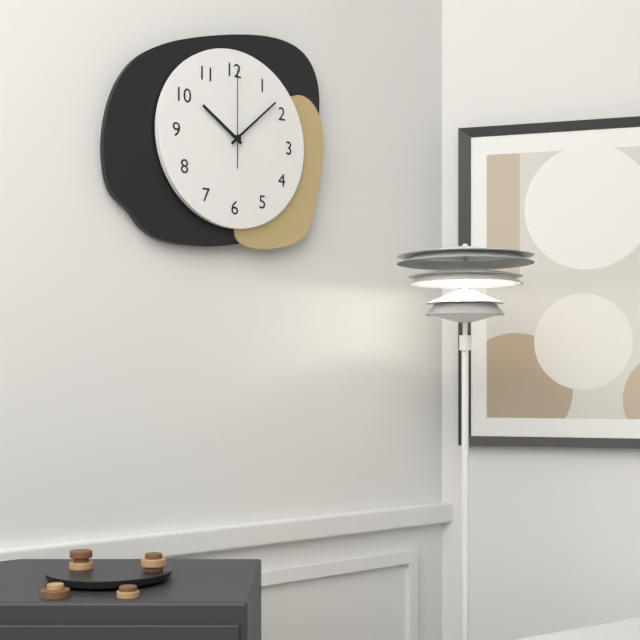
h=10 m=8 s=0
